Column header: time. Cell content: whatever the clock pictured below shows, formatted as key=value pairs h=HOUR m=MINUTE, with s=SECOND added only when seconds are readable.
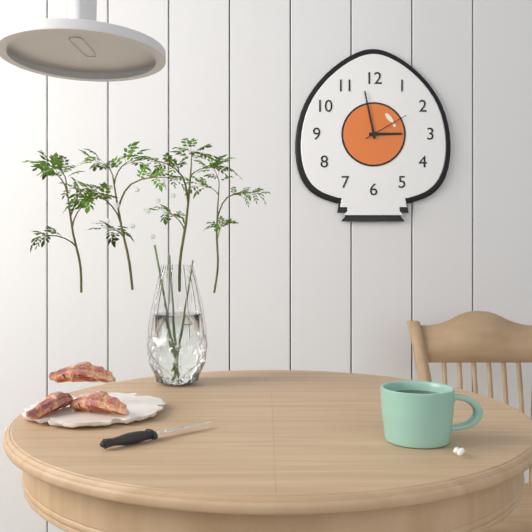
h=2 m=58
